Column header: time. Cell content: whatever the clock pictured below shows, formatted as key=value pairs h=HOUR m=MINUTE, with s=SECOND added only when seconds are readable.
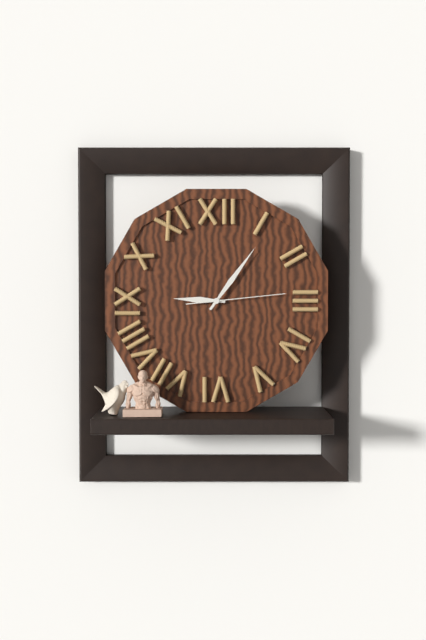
h=9 m=6 s=14
